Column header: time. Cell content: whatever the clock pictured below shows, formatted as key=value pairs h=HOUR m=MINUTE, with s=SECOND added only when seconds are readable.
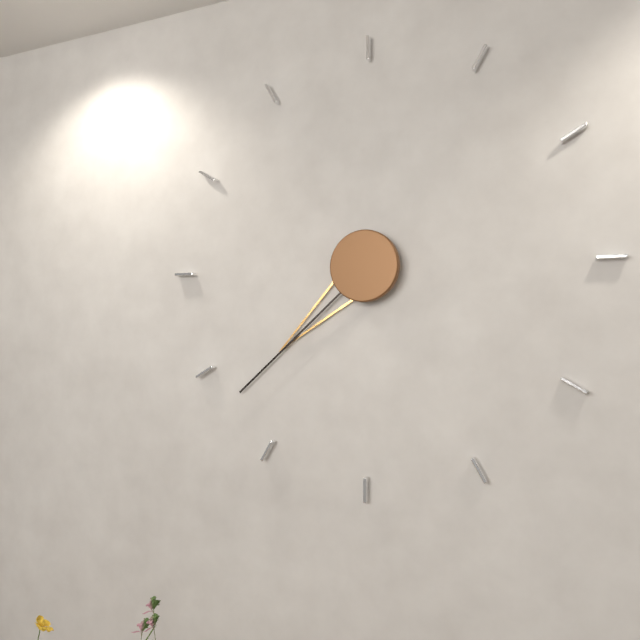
h=7 m=38
